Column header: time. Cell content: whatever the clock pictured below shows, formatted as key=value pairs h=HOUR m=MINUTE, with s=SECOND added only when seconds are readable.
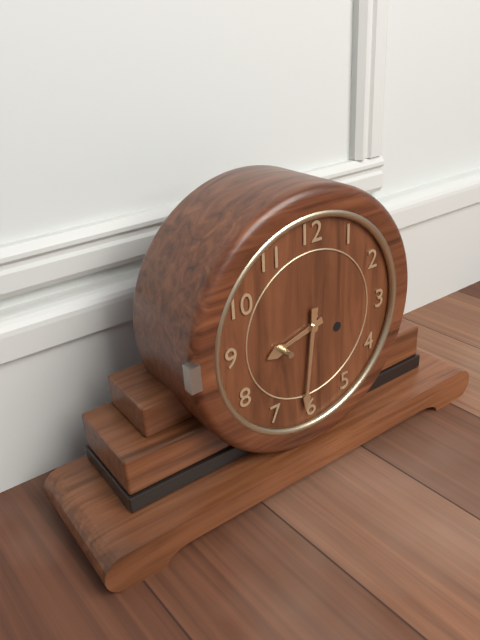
h=8 m=31
